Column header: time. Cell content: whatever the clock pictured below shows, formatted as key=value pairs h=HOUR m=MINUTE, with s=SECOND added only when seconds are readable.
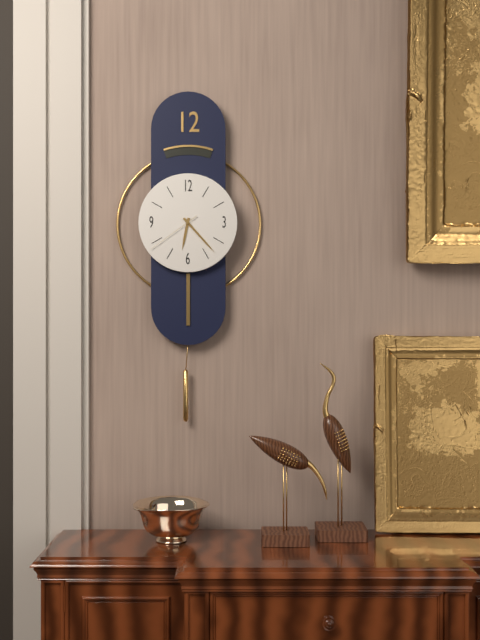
h=6 m=23 s=39
